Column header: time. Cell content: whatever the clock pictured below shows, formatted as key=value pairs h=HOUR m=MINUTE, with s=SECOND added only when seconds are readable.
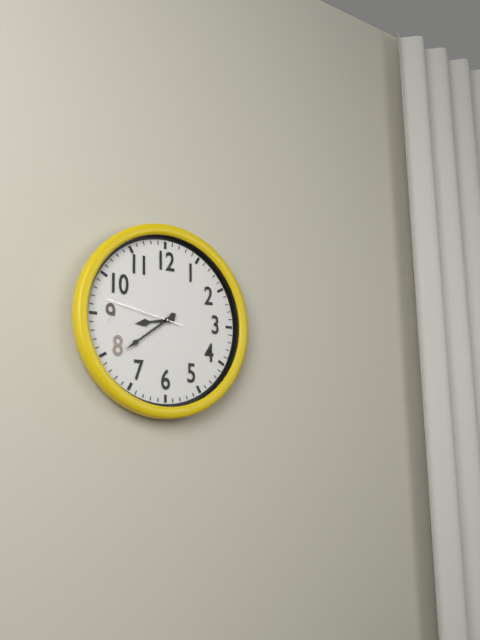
h=8 m=39 s=47
